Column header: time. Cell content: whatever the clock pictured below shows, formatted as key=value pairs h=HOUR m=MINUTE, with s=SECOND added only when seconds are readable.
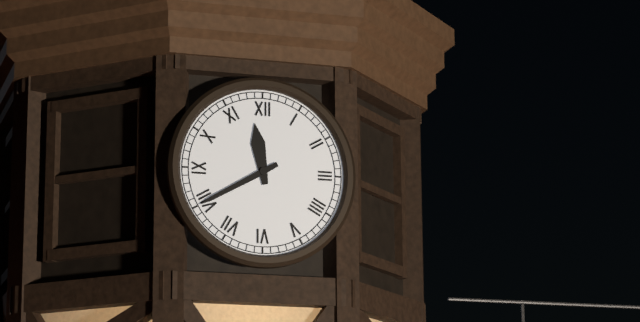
h=11 m=40
